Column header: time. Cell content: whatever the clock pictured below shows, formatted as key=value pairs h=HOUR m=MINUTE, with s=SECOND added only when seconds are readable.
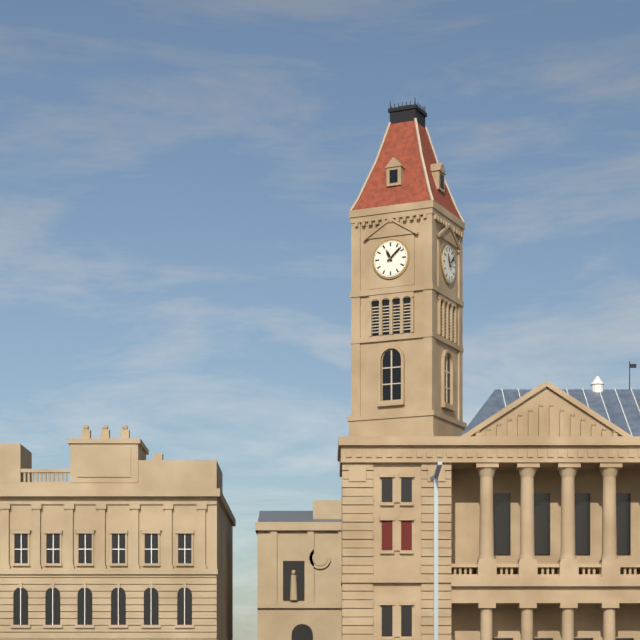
h=11 m=8
